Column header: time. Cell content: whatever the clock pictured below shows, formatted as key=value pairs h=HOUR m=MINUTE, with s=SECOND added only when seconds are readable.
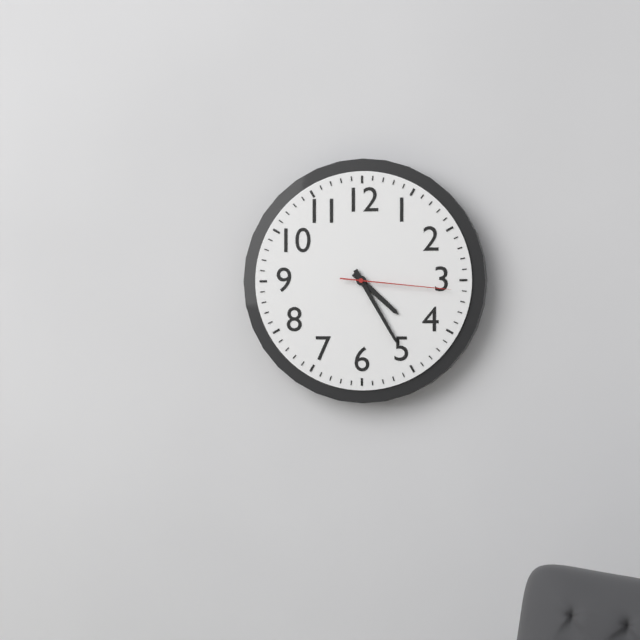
h=4 m=25 s=16
